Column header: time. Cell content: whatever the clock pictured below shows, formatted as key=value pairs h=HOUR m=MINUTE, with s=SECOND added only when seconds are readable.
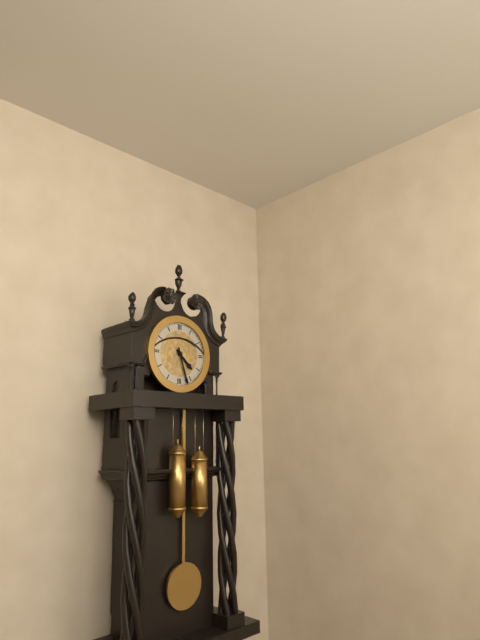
h=4 m=27
